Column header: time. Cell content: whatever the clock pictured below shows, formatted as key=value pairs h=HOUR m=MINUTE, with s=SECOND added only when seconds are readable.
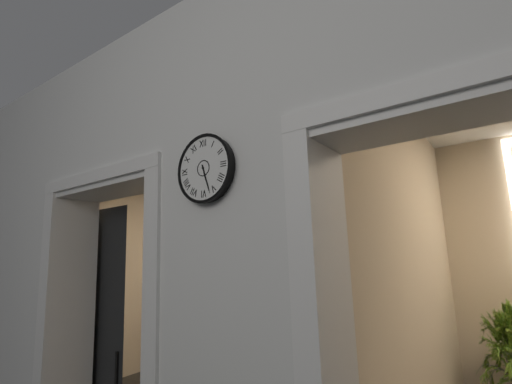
h=5 m=27
